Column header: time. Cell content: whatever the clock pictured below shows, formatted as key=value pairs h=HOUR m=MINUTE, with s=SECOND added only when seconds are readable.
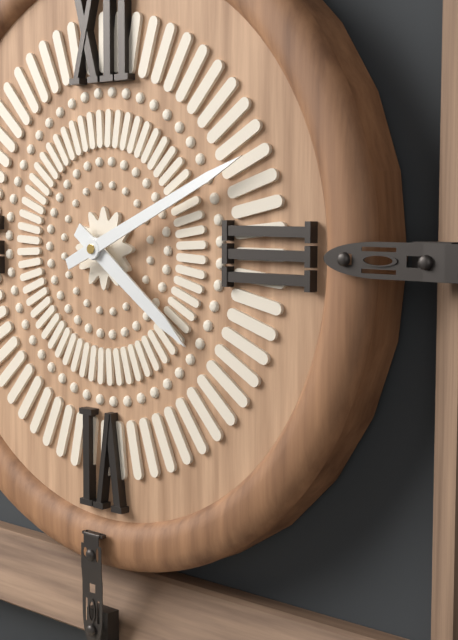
h=4 m=11
